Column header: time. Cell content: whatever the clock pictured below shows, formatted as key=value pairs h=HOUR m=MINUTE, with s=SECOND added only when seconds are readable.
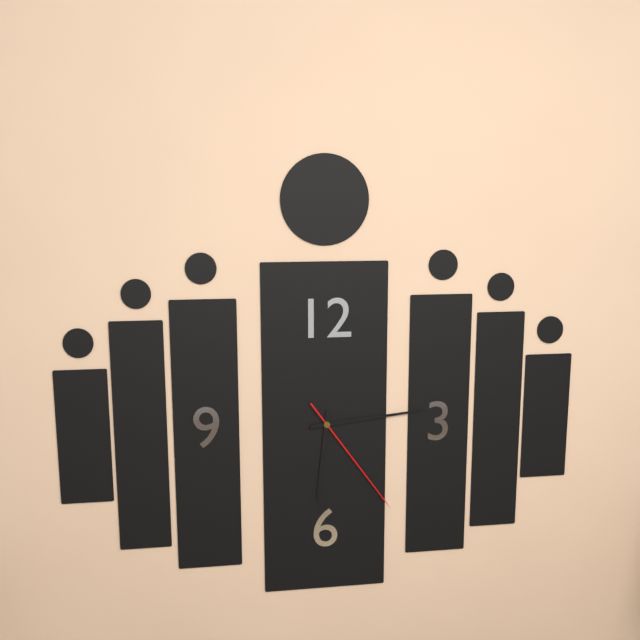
h=6 m=14 s=24
